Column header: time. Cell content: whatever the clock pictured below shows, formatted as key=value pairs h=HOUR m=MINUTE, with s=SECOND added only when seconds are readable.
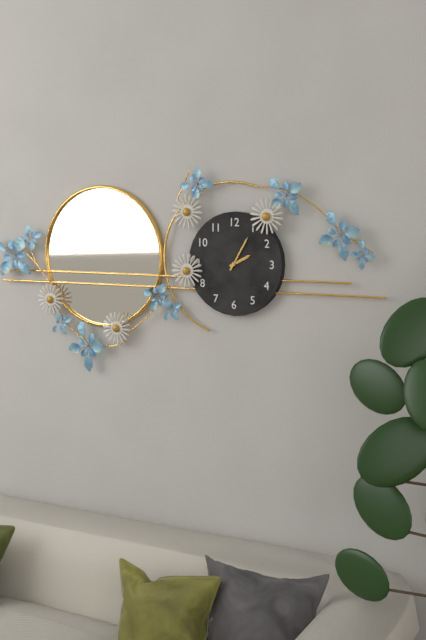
h=2 m=5
